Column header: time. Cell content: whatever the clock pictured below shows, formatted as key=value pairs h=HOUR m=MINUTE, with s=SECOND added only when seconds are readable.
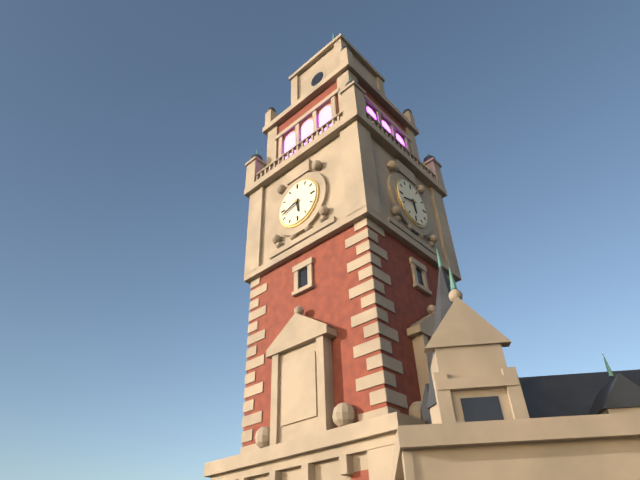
h=5 m=42
